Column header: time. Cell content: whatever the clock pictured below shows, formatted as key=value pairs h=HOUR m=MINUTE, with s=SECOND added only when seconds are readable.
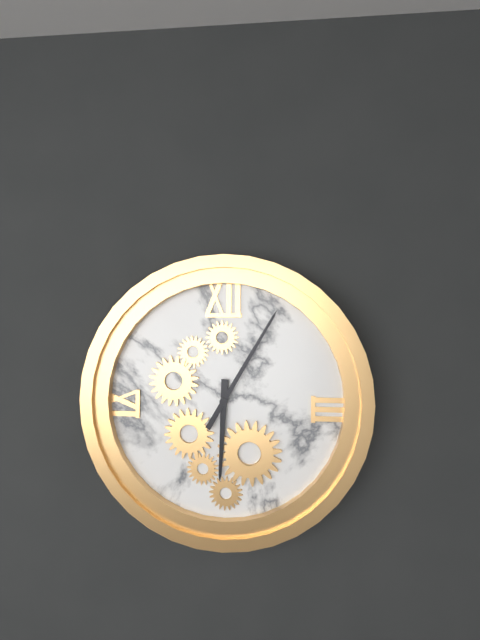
h=6 m=5
